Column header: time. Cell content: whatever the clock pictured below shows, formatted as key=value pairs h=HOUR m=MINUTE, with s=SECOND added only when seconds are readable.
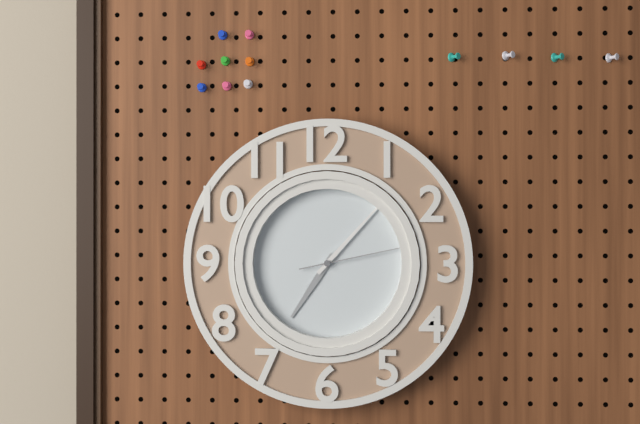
h=7 m=7 s=13
